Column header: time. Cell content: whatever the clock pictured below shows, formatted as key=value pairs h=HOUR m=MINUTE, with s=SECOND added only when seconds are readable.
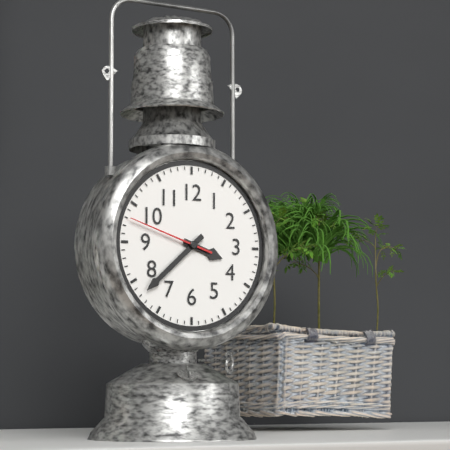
h=3 m=38 s=48
